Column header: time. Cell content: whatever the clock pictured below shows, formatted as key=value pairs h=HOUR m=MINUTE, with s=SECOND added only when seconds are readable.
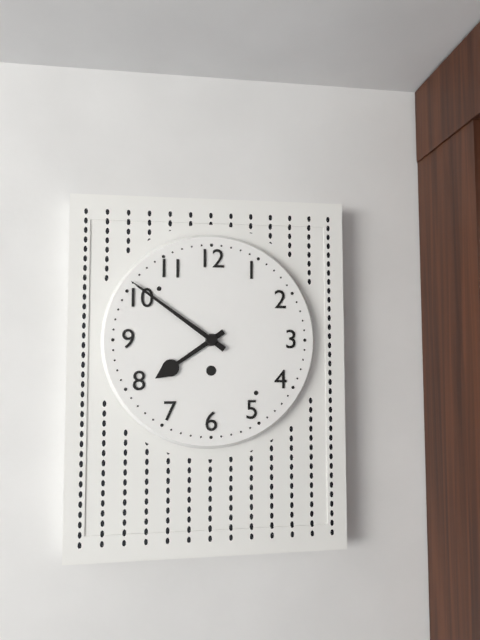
h=7 m=51
